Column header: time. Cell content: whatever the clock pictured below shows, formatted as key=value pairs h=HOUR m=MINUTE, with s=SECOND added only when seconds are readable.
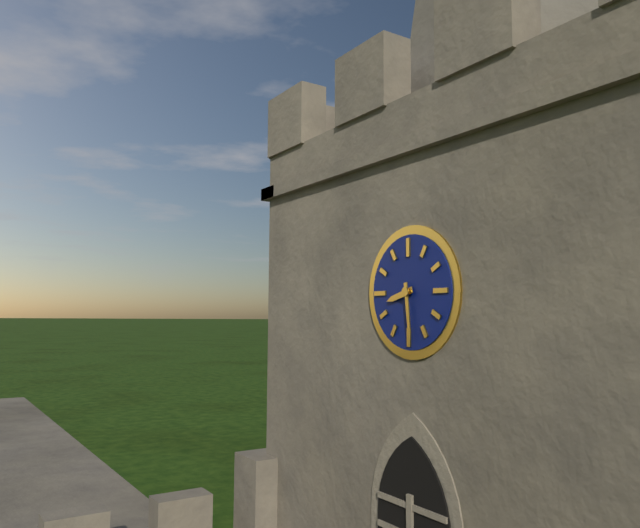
h=8 m=29
